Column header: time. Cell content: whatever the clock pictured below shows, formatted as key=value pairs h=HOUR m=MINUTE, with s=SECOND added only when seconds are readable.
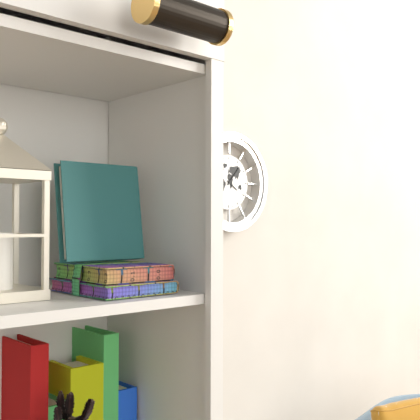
h=4 m=7
